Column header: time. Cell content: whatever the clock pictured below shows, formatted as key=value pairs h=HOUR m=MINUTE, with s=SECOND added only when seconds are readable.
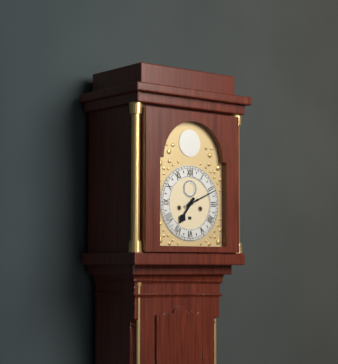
h=7 m=11
